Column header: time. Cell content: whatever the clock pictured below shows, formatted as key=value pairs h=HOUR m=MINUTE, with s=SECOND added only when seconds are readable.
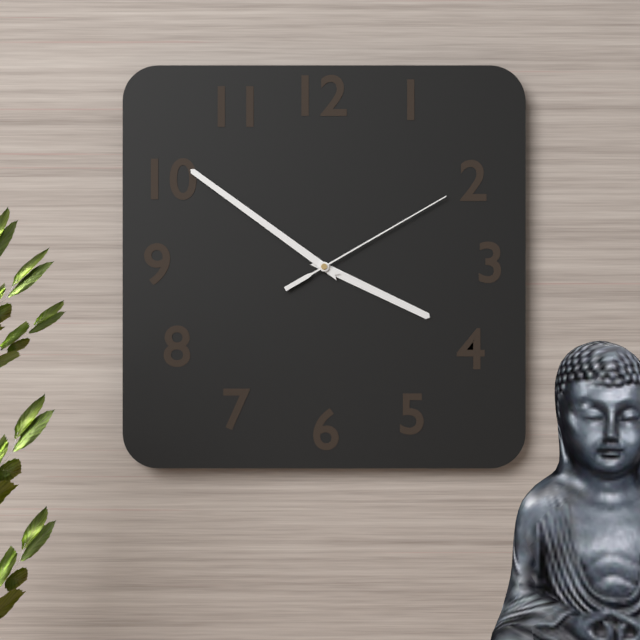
h=3 m=51 s=10
